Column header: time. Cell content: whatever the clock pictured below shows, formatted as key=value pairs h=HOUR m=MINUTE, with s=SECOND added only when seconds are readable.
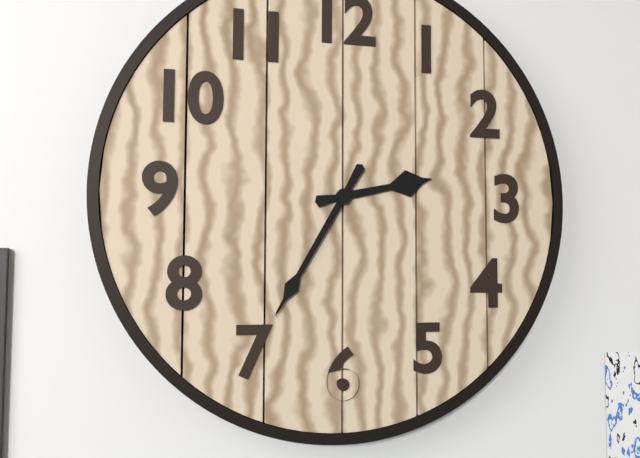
h=2 m=35
